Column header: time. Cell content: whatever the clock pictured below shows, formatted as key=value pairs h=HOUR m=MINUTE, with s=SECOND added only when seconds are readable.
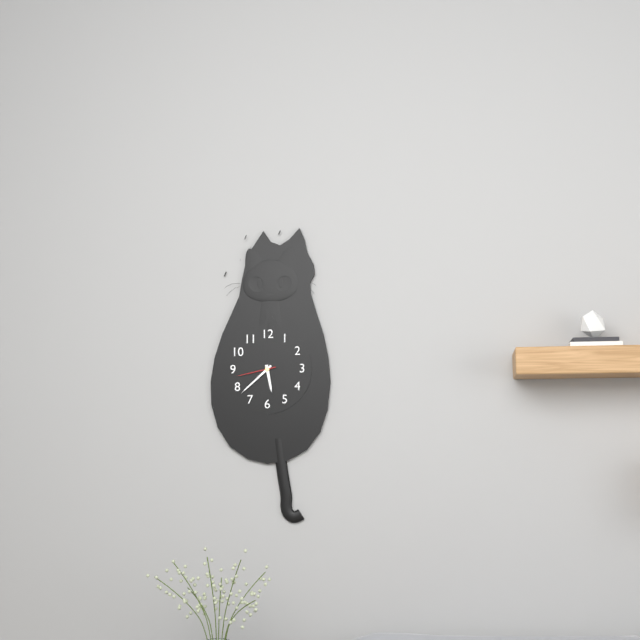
h=5 m=38
